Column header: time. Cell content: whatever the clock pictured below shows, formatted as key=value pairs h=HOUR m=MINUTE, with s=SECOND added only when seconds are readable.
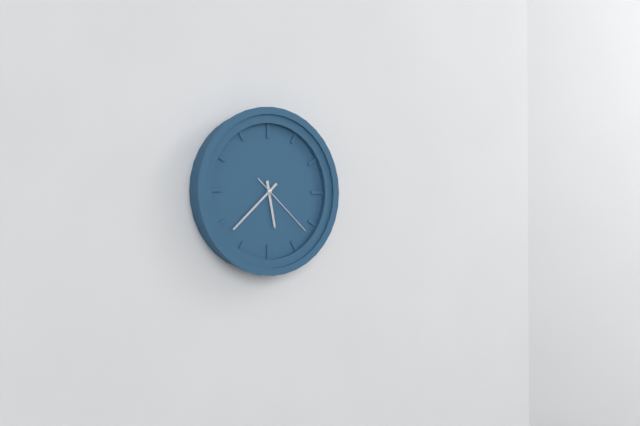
h=5 m=38 s=22
